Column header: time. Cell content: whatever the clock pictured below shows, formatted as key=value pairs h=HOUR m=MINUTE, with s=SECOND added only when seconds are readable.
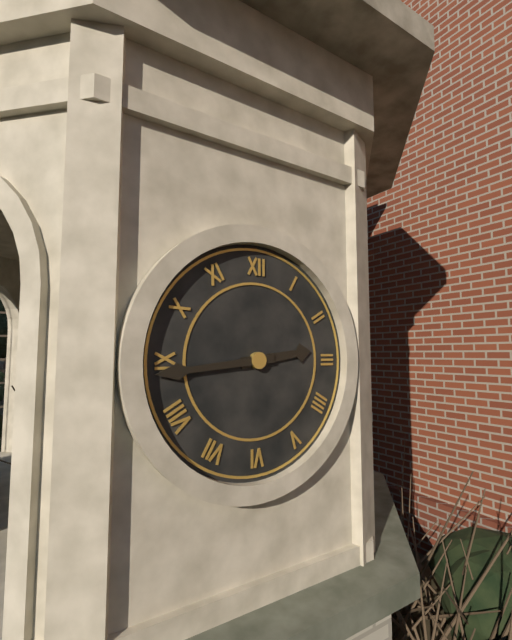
h=2 m=44
